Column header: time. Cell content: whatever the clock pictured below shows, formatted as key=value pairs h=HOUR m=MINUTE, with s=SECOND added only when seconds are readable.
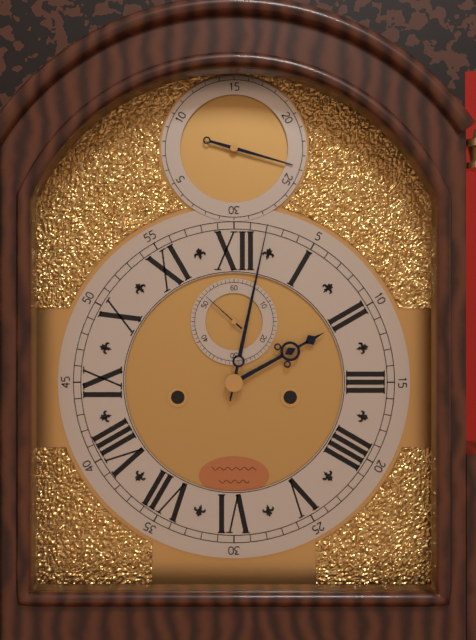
h=2 m=2
